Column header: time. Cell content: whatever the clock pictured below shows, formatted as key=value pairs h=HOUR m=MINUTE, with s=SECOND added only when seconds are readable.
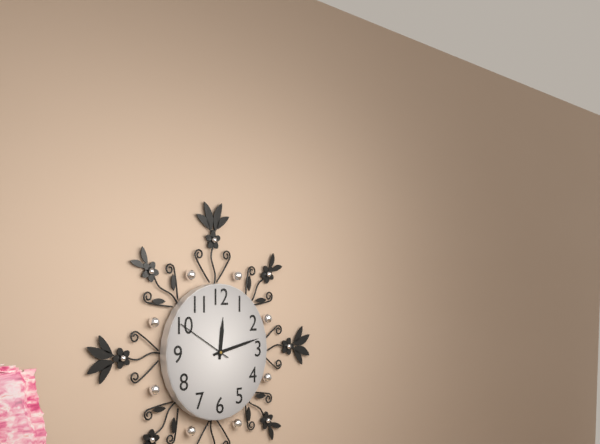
h=12 m=13 s=50
